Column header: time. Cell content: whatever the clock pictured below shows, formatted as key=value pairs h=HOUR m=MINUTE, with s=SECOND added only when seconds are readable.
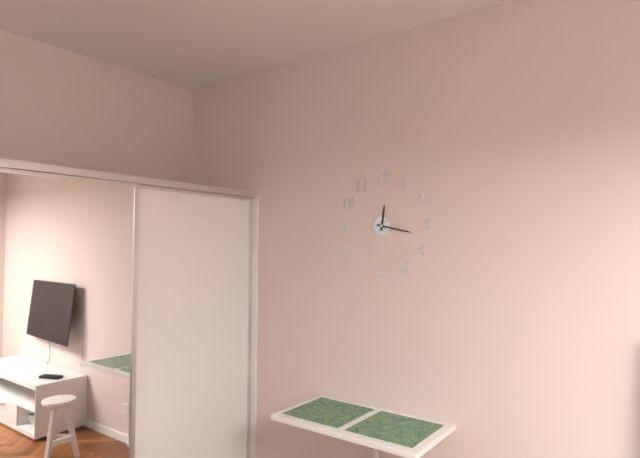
h=12 m=17
